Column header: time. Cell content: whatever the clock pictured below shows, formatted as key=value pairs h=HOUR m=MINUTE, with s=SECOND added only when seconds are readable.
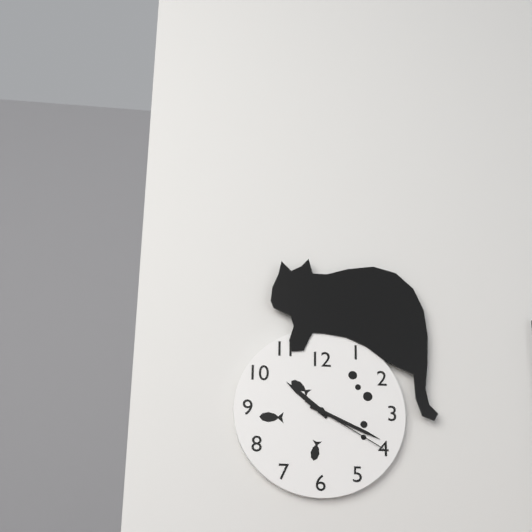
h=10 m=19 s=20
